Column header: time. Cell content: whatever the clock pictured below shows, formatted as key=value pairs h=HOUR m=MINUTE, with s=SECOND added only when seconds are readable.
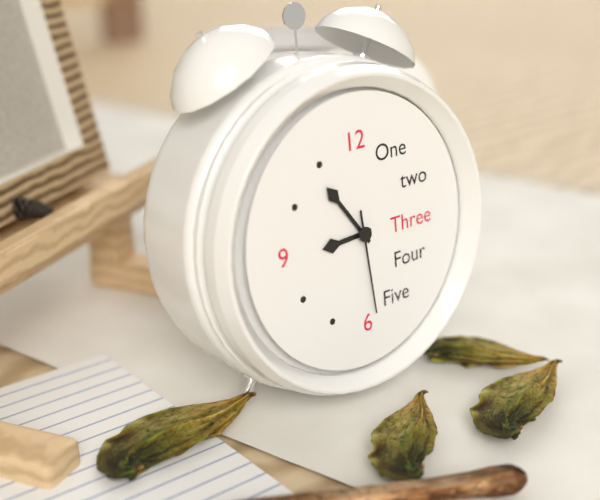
h=8 m=54 s=29
